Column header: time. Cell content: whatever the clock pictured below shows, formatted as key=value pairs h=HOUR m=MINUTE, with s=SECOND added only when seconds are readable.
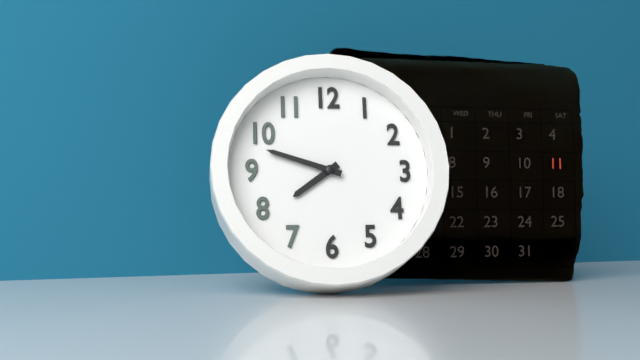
h=7 m=48
